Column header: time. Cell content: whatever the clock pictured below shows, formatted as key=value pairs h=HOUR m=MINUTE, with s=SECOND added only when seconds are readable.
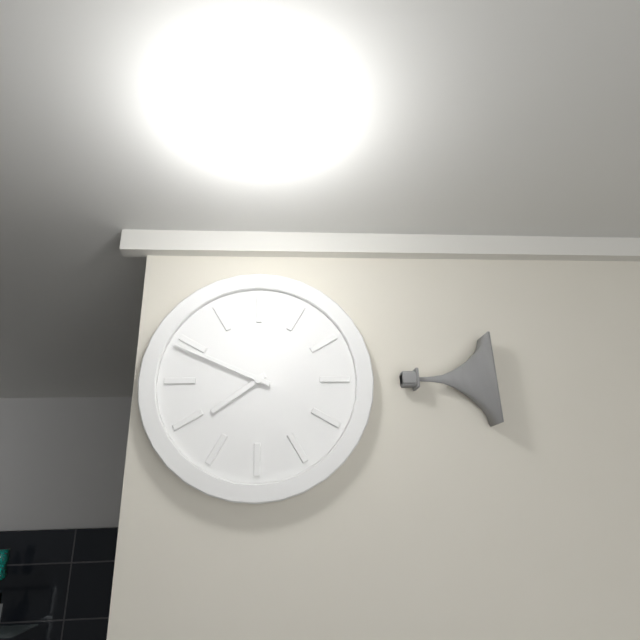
h=7 m=49
